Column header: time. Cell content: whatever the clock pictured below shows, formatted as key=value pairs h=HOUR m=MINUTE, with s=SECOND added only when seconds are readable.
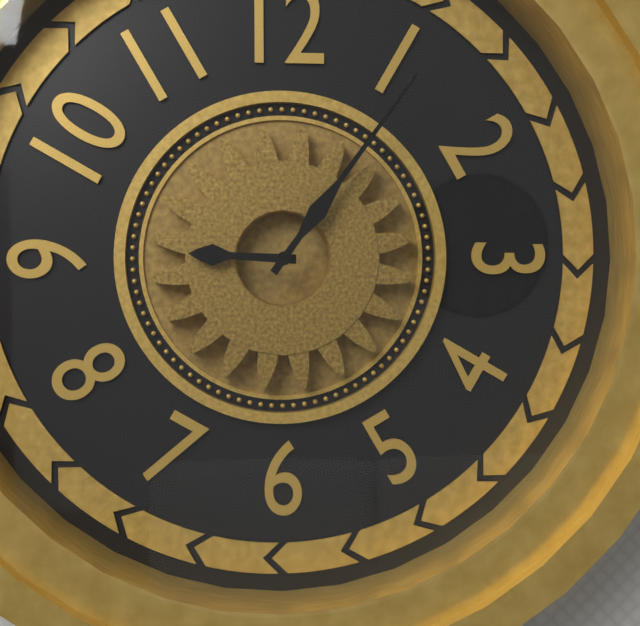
h=9 m=6
